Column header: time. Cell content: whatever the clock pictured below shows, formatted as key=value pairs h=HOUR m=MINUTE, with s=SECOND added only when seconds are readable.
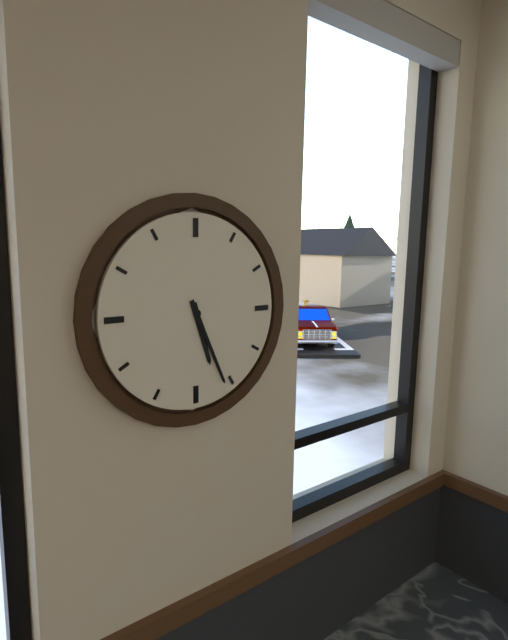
h=5 m=26
